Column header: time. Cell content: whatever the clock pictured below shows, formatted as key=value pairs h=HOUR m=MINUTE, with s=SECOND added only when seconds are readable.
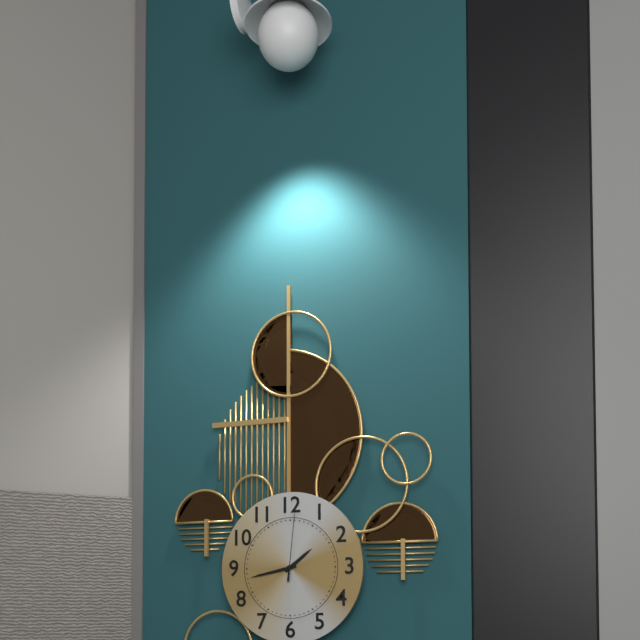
h=1 m=43 s=1
